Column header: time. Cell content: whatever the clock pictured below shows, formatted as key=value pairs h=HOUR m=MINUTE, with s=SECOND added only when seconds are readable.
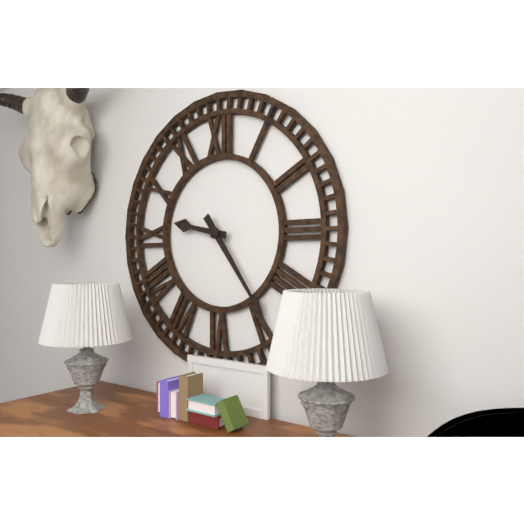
h=9 m=24
